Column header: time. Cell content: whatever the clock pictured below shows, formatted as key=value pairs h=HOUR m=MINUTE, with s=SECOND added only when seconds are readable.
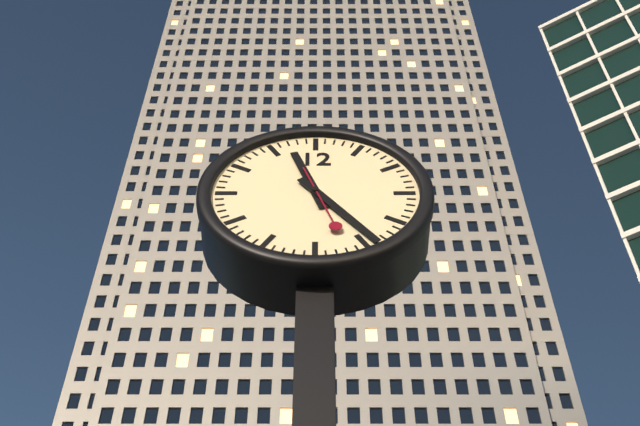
h=11 m=24 s=27
